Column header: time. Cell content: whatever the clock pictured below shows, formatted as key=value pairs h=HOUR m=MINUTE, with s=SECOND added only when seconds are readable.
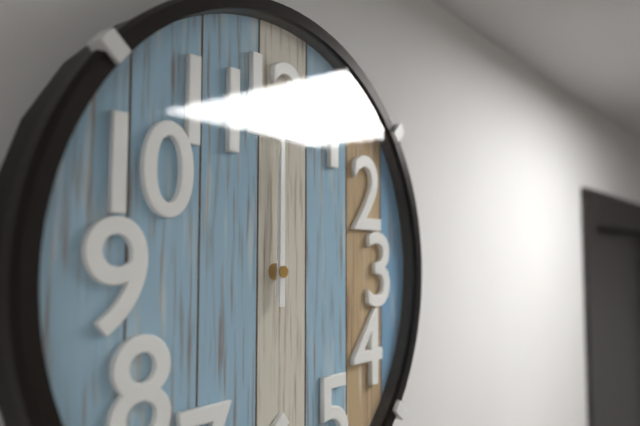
h=12 m=0
